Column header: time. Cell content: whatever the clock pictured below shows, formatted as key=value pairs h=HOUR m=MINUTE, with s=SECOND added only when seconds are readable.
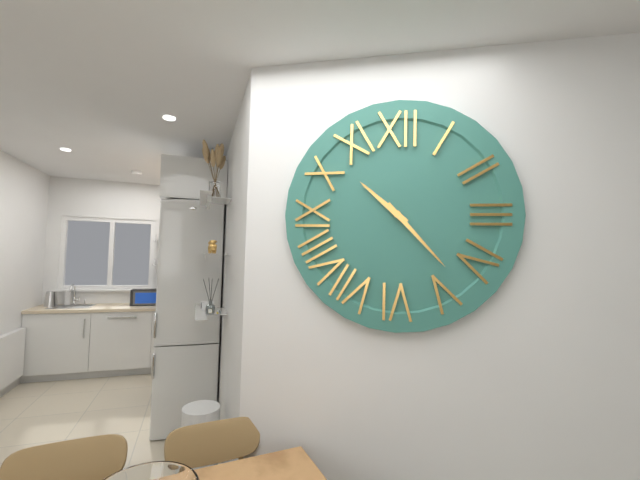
h=10 m=23
